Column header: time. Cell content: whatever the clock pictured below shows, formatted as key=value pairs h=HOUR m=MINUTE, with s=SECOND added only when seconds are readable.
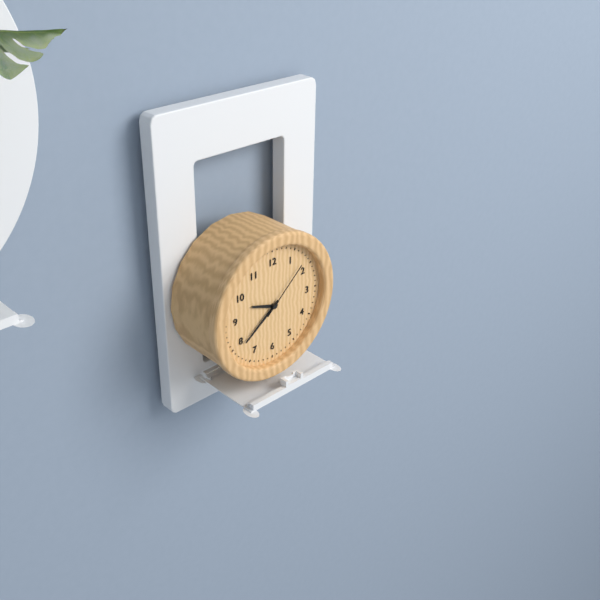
h=9 m=39 s=8
